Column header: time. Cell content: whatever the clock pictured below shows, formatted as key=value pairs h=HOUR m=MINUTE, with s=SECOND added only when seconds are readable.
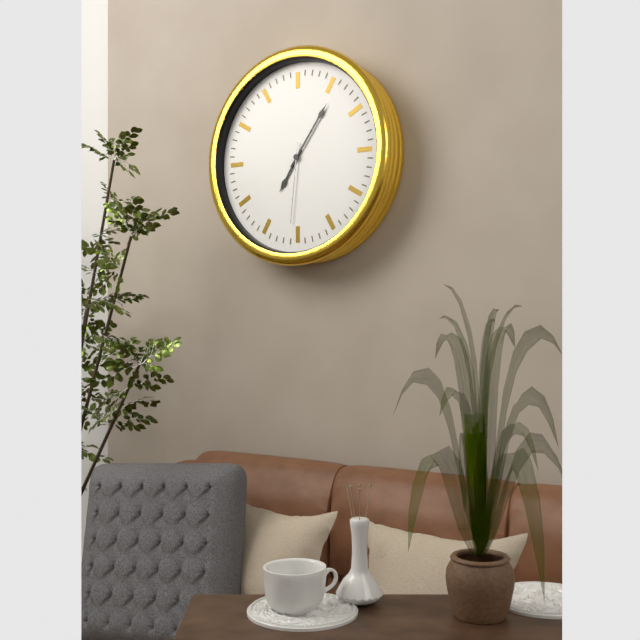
h=7 m=6 s=31
